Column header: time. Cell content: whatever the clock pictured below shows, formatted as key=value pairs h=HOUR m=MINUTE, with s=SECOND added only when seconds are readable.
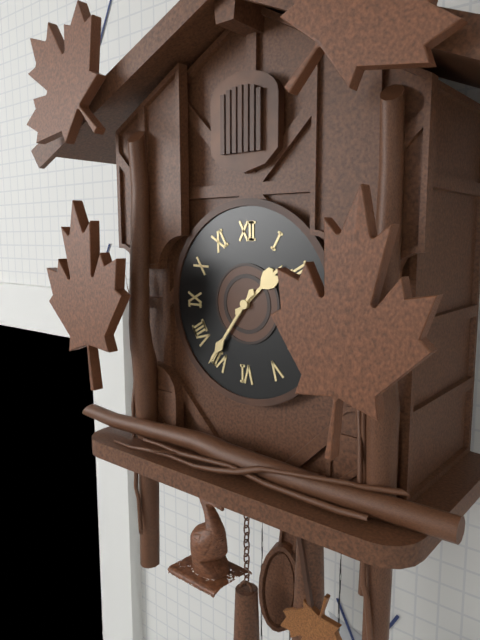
h=1 m=36
